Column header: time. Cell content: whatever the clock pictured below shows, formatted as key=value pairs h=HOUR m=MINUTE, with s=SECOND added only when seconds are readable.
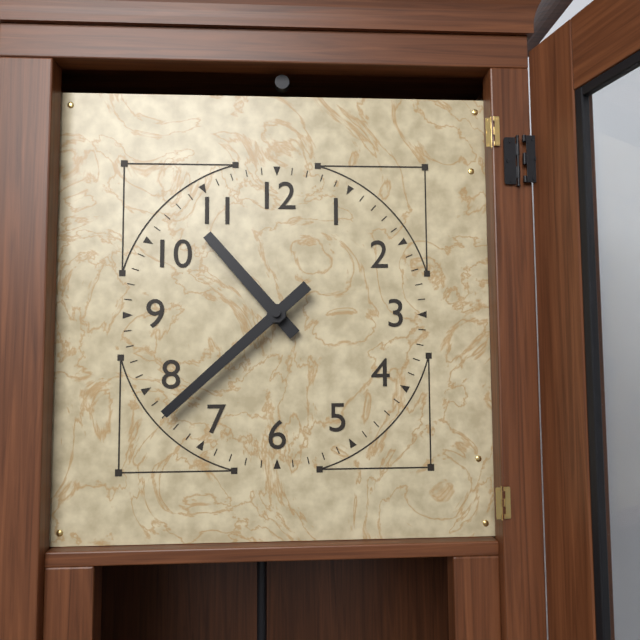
h=10 m=38
